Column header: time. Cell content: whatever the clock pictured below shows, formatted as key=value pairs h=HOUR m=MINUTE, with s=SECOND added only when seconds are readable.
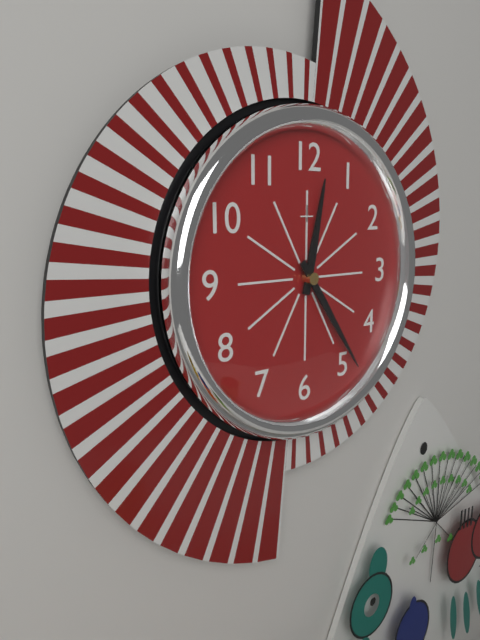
h=12 m=24
